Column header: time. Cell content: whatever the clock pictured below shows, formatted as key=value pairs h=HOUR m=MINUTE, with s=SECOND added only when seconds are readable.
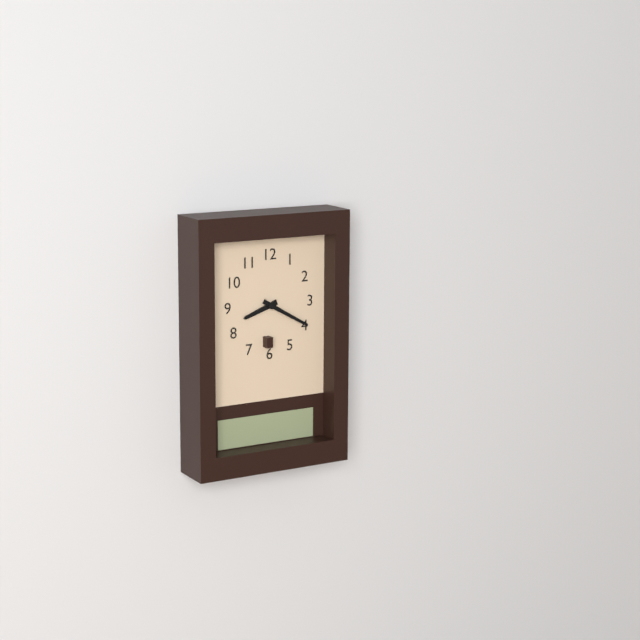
h=8 m=20
